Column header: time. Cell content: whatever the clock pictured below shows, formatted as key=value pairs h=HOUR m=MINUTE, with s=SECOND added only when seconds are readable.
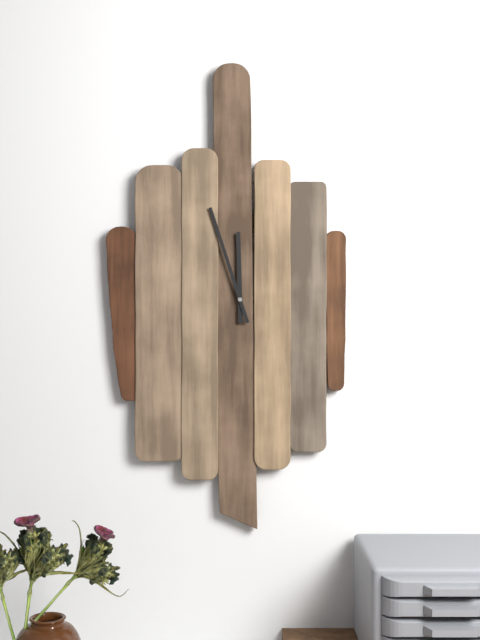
h=11 m=57
